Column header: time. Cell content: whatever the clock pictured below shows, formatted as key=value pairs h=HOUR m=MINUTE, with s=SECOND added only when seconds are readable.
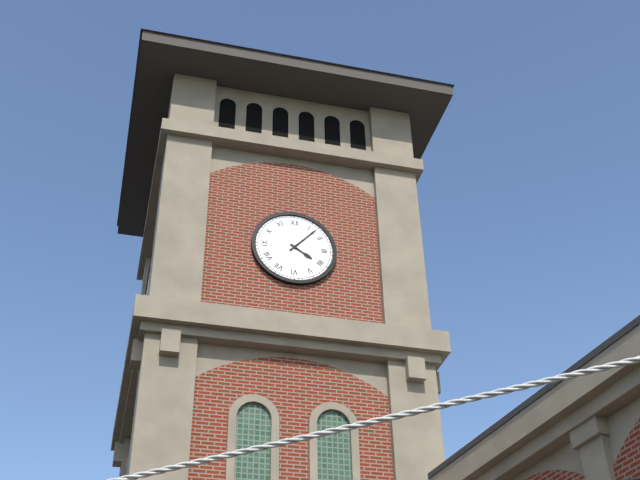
h=4 m=7
